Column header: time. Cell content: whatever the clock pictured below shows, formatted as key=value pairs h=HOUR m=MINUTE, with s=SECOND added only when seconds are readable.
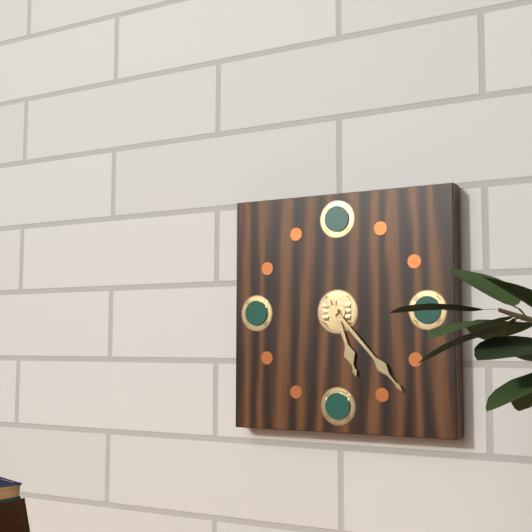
h=5 m=23
